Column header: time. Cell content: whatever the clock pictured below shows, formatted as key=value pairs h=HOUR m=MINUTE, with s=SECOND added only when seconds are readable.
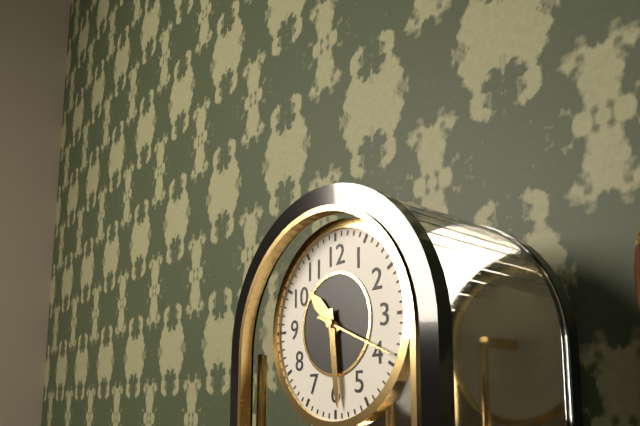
h=10 m=29 s=19
